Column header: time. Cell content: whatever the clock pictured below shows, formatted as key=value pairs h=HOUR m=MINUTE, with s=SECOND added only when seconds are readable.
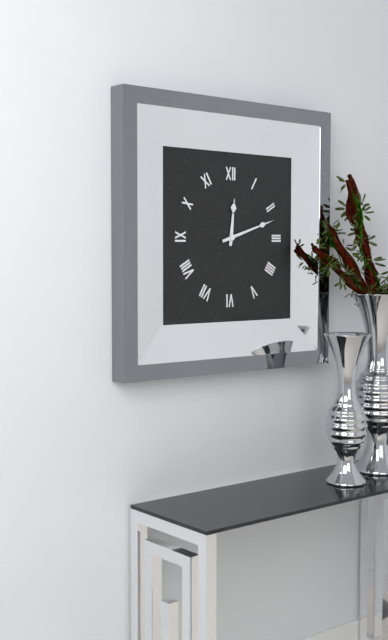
h=12 m=12
